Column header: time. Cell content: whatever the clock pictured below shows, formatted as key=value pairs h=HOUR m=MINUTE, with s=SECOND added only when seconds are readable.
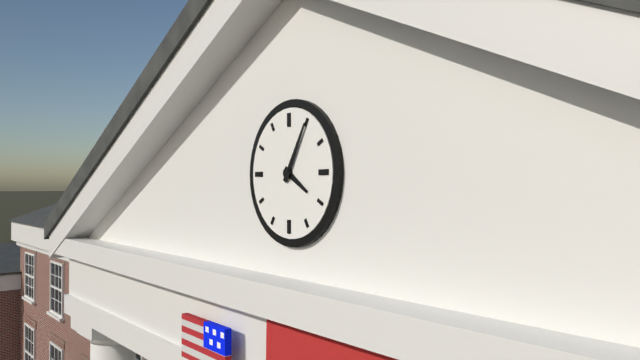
h=4 m=5
